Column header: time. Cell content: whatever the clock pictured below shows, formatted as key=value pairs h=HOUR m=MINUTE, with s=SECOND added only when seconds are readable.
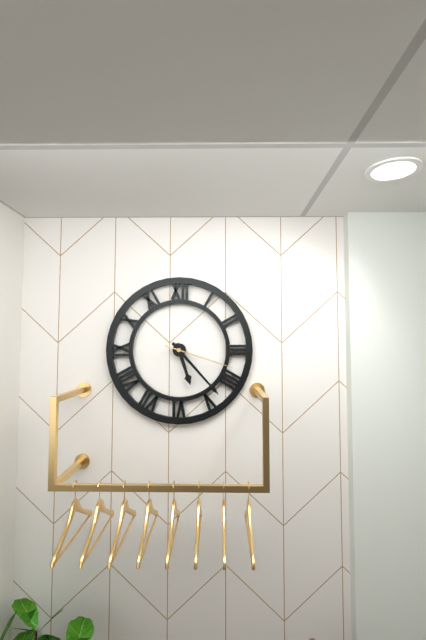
h=5 m=23 s=18
